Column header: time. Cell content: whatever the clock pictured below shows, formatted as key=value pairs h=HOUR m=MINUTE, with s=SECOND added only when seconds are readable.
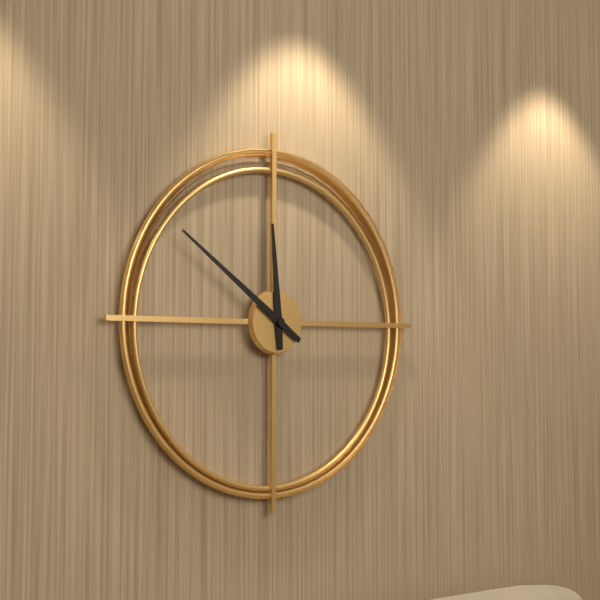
h=11 m=51
